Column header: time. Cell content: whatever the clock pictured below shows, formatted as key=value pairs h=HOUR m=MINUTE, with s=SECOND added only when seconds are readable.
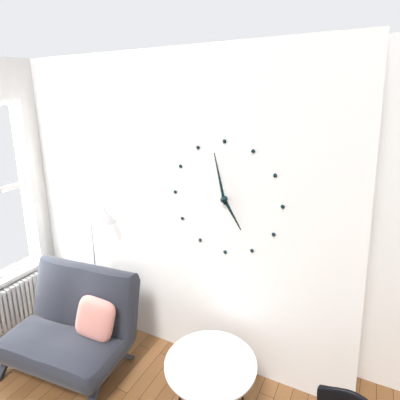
h=4 m=58
